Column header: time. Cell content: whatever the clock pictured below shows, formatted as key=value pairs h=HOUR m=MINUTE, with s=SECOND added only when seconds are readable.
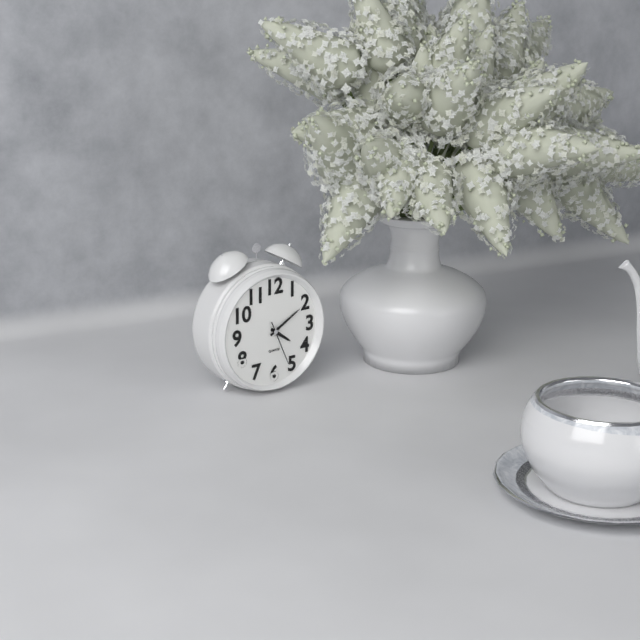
h=4 m=10
